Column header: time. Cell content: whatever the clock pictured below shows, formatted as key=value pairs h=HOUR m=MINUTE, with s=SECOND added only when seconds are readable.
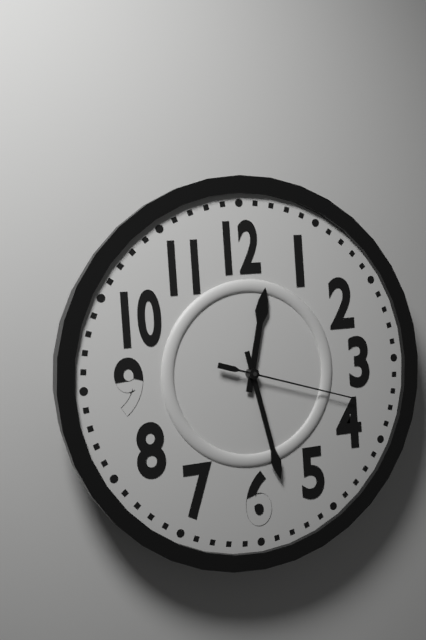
h=12 m=28 s=18
